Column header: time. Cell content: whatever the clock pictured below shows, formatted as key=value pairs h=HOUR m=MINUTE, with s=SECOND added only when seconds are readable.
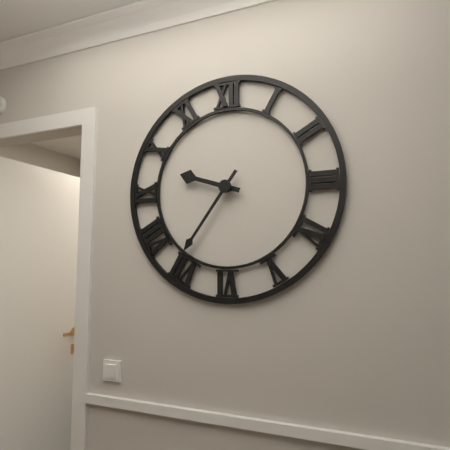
h=9 m=36
